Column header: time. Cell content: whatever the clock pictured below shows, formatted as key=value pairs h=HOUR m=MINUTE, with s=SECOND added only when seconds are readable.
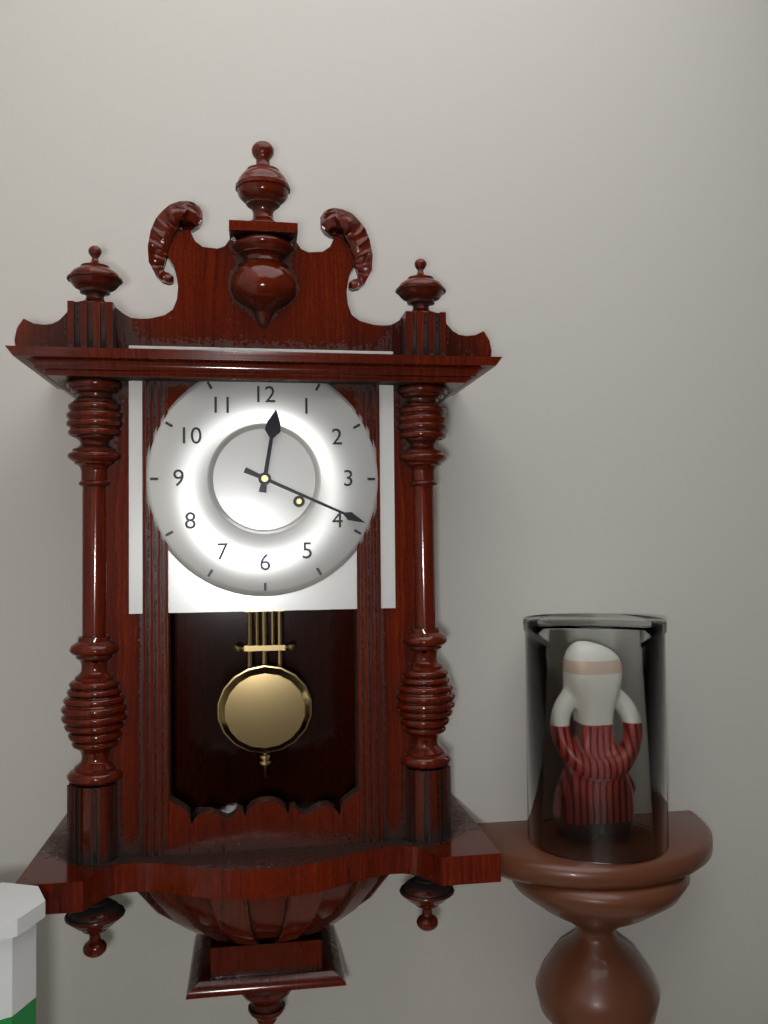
h=12 m=19
